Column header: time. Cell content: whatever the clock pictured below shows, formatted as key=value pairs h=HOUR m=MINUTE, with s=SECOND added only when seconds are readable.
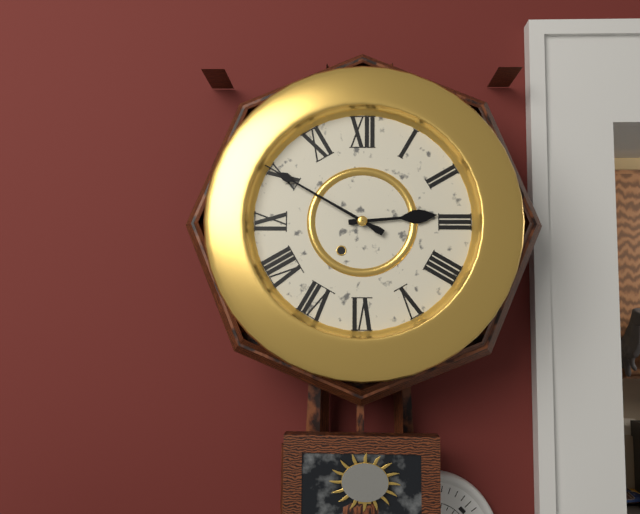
h=2 m=50
